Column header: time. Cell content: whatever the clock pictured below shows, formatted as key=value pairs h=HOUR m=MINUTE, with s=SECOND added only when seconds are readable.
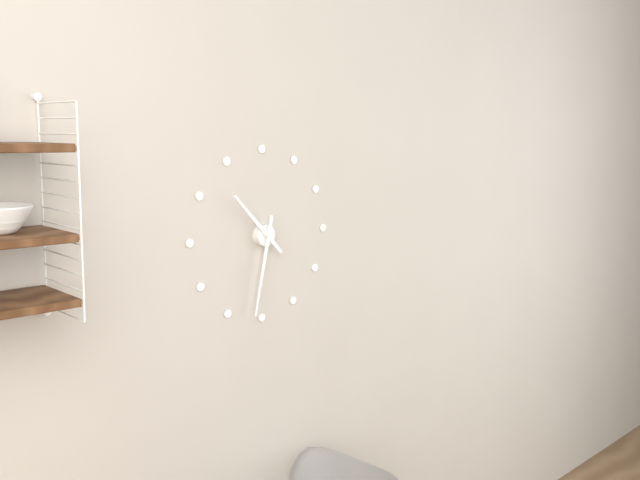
h=10 m=32
